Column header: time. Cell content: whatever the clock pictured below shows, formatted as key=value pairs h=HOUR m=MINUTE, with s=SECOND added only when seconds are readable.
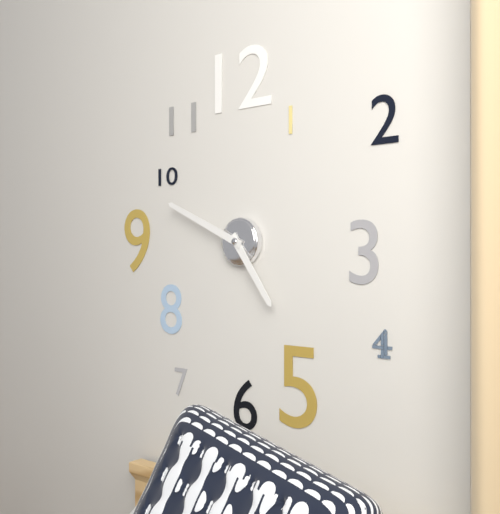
h=4 m=49
